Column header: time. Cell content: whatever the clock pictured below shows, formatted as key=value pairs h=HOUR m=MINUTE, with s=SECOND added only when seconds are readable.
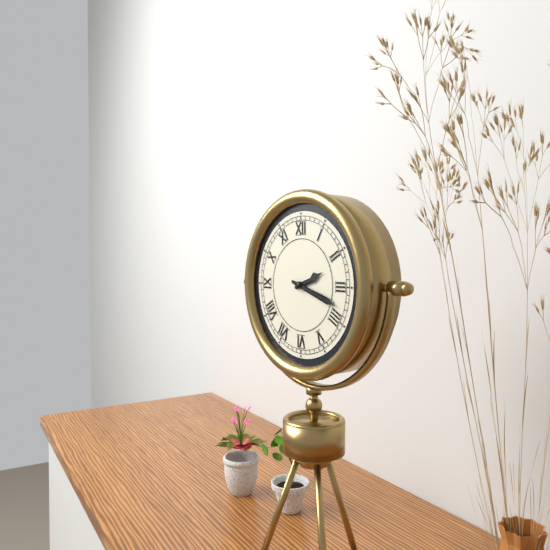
h=2 m=18
